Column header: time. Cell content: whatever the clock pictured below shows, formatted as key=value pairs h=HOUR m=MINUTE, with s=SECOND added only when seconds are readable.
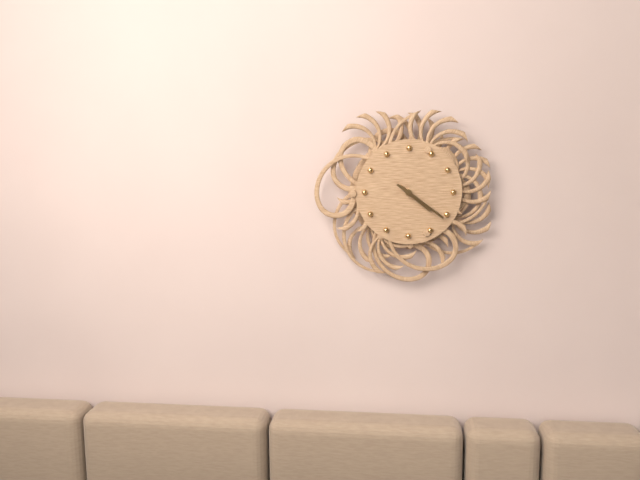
h=4 m=21
